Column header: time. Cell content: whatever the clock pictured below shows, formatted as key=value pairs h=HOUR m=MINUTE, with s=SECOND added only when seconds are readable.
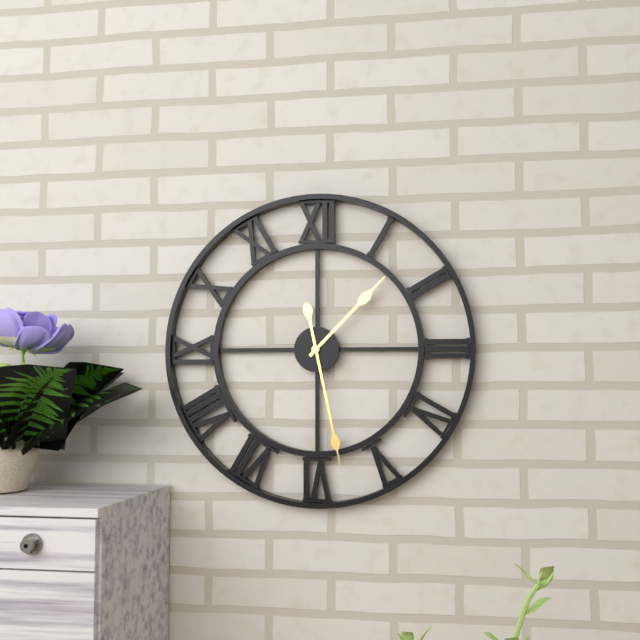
h=1 m=28
